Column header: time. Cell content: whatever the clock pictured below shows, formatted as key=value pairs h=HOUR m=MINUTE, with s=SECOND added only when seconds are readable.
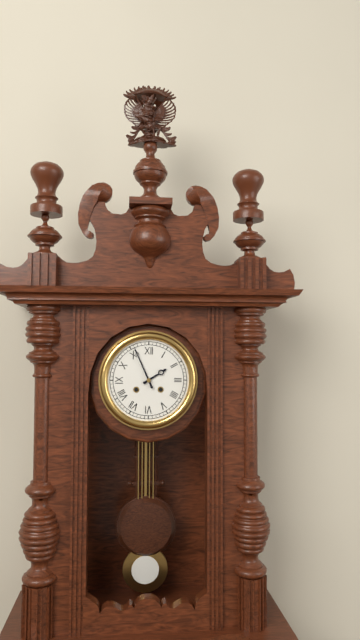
h=1 m=56
